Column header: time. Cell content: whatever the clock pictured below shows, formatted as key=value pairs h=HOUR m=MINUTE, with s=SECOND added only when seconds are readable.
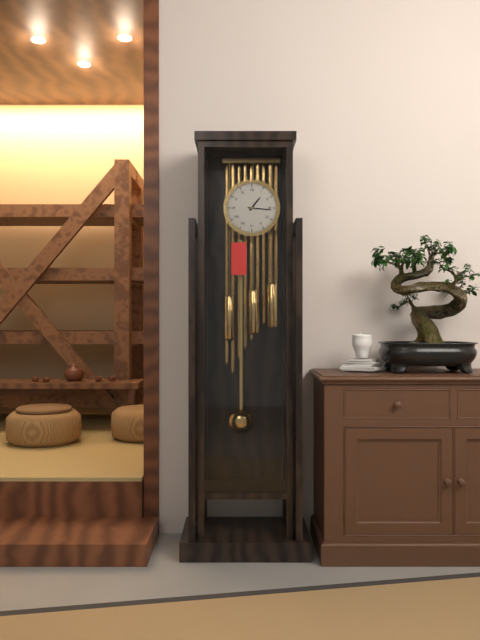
h=1 m=16
